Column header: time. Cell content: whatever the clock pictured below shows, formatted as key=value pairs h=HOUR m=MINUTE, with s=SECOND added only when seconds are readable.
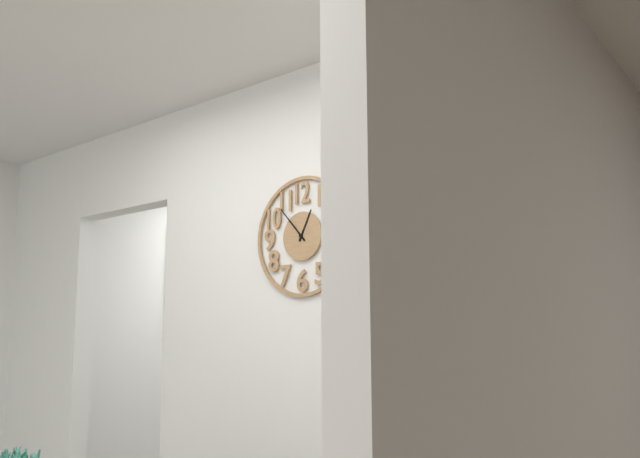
h=12 m=53
